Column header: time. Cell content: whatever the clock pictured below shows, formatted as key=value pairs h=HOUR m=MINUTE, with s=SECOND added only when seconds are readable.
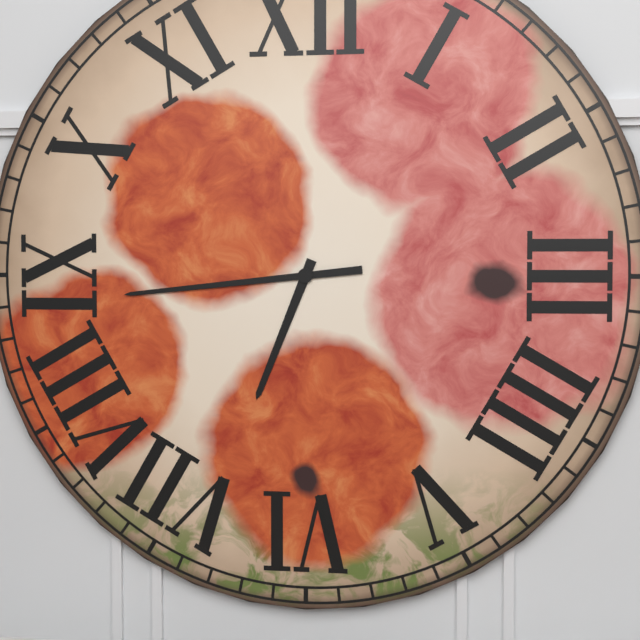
h=6 m=44
